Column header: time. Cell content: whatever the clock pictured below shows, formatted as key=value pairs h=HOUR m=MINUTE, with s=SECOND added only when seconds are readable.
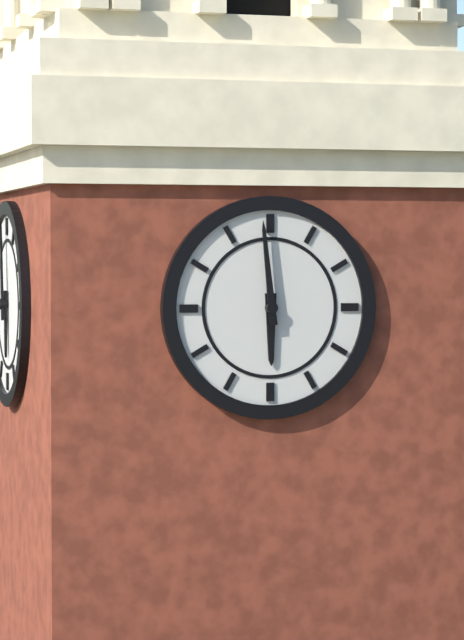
h=5 m=59
